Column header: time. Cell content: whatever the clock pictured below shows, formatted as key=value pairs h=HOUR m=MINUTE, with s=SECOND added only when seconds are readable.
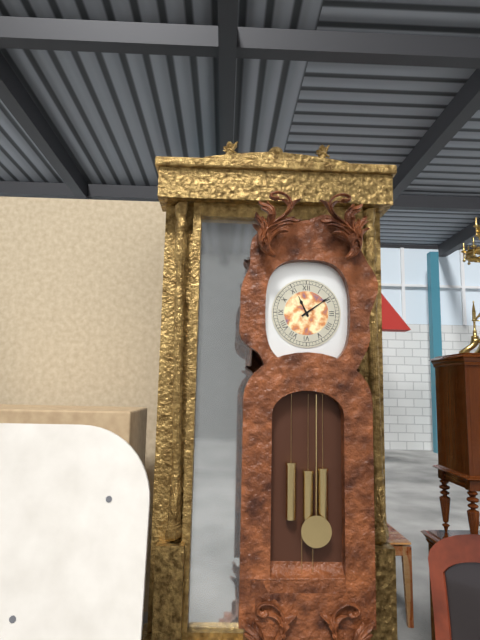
h=11 m=9
